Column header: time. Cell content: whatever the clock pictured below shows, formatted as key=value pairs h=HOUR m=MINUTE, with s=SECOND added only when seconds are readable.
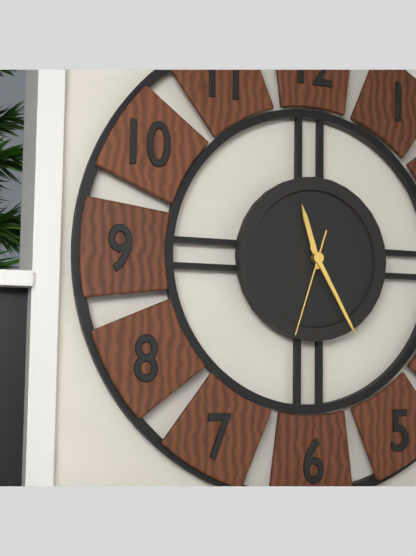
h=11 m=25 s=33
